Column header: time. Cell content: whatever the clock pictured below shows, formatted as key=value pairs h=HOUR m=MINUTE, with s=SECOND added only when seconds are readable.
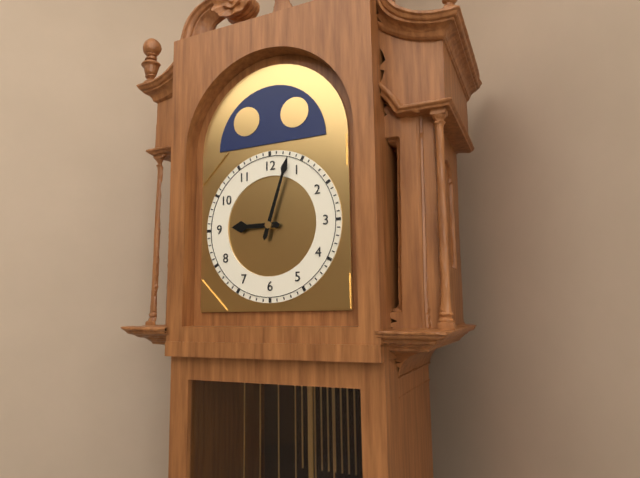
h=9 m=3
